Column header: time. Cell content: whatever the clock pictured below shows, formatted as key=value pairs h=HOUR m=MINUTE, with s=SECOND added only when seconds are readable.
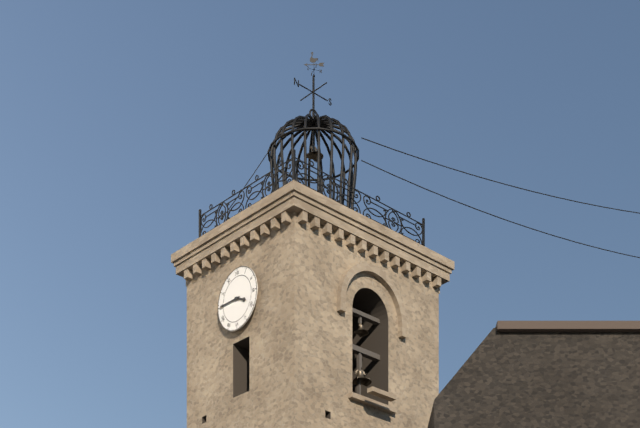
h=3 m=45
